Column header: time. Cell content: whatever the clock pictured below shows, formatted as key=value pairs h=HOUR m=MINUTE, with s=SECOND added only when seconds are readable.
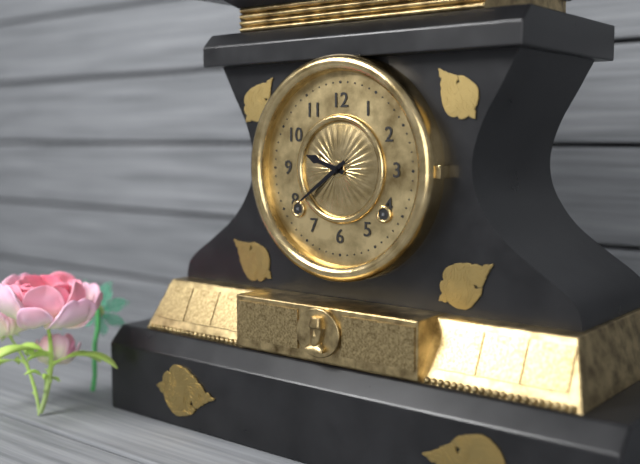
h=9 m=39
